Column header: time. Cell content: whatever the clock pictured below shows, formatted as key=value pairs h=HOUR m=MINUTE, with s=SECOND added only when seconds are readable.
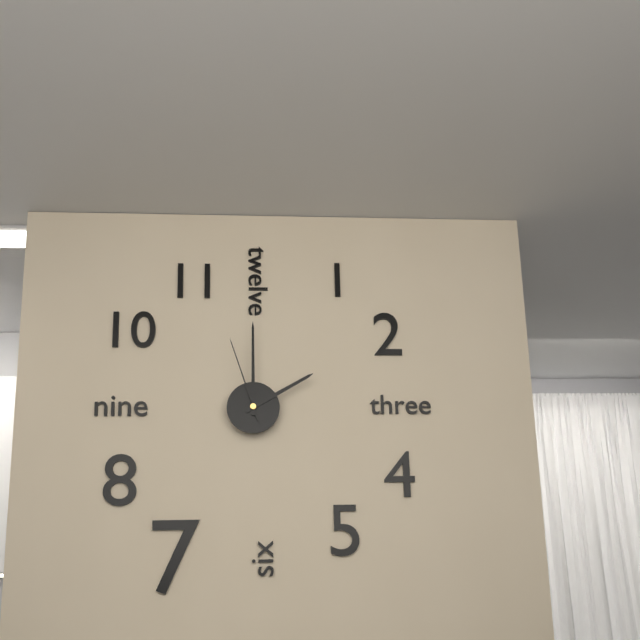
h=2 m=0 s=57
